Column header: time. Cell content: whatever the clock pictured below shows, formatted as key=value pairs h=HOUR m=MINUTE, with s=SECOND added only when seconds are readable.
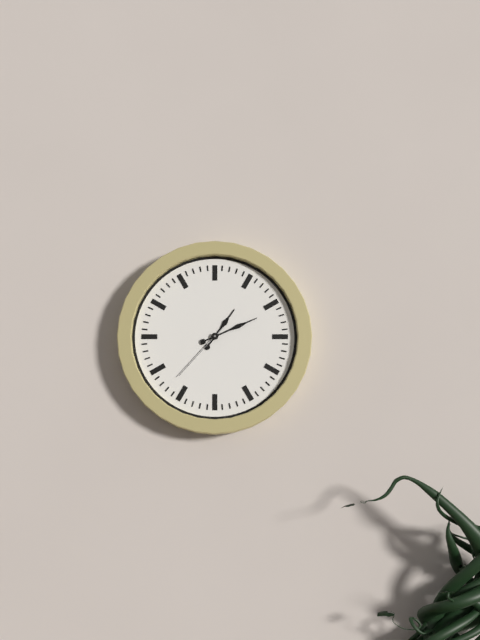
h=1 m=11 s=37
